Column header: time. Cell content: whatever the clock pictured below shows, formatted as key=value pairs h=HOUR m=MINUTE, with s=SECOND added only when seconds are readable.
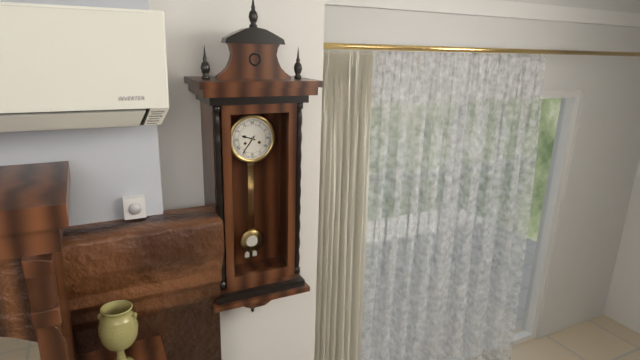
h=9 m=36
